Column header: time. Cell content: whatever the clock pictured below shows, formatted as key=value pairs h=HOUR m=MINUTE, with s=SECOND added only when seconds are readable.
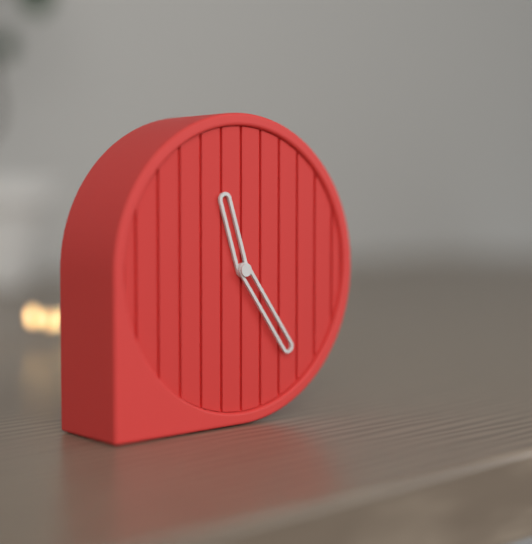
h=11 m=24
